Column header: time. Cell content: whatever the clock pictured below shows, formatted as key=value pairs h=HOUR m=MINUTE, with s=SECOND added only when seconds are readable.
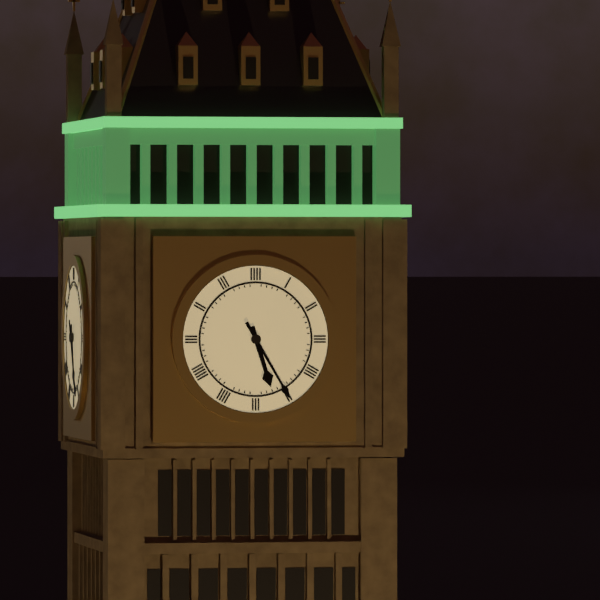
h=5 m=25
